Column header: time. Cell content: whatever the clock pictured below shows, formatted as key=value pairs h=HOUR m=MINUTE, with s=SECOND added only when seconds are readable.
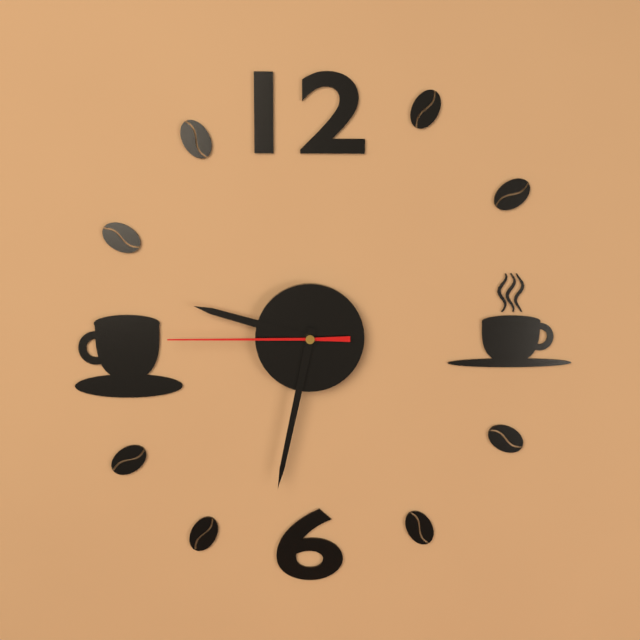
h=9 m=32 s=45
